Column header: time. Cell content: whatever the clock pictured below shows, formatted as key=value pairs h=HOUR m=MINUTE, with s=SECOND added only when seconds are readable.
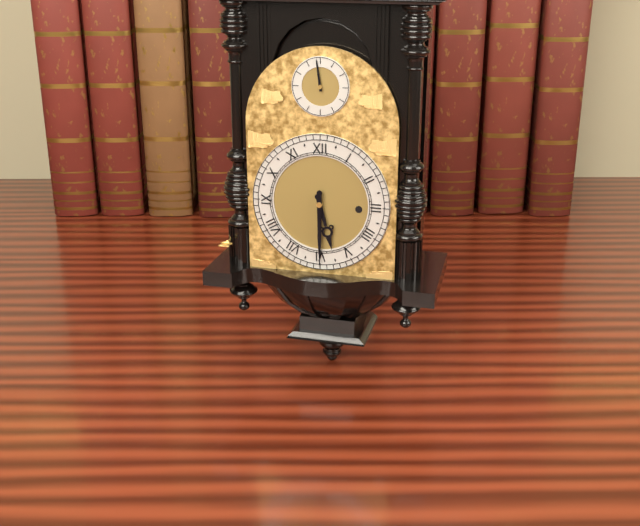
h=5 m=30
